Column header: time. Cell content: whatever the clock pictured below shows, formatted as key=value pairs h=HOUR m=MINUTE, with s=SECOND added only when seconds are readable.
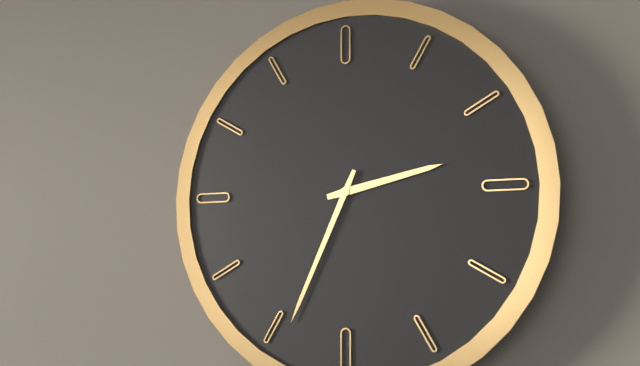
h=2 m=34
